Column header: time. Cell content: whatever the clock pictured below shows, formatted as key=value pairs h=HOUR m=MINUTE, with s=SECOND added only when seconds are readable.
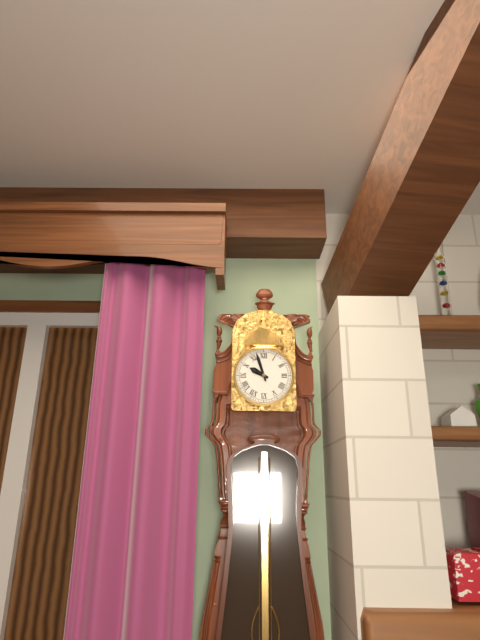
h=9 m=57
